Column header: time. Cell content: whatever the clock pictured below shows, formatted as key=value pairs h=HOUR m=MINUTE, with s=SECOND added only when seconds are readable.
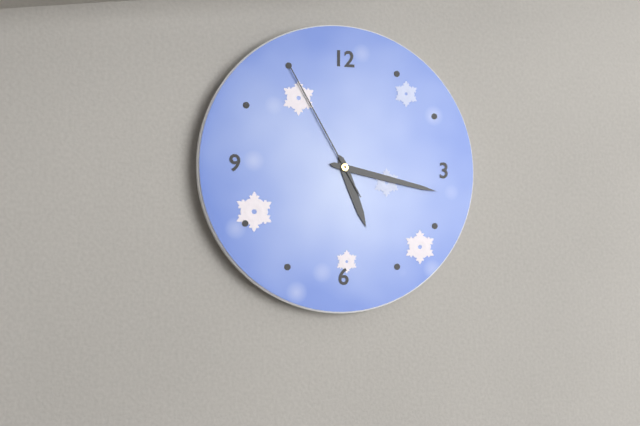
h=5 m=17 s=55
